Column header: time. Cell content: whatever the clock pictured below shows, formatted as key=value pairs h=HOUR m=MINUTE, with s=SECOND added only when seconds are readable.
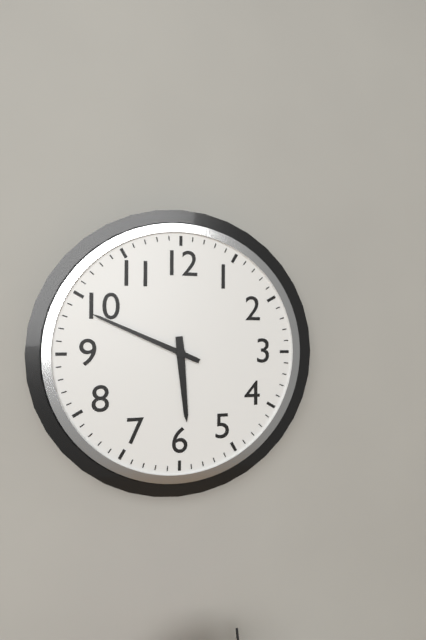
h=5 m=49
